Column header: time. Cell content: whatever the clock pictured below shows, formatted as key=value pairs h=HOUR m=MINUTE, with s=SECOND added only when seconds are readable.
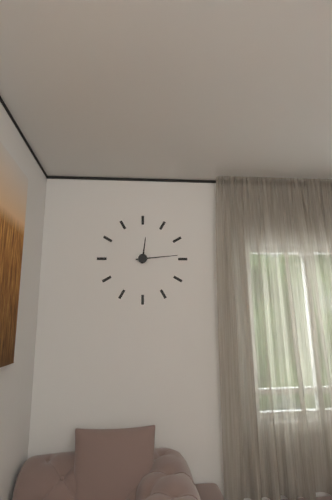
h=12 m=14
